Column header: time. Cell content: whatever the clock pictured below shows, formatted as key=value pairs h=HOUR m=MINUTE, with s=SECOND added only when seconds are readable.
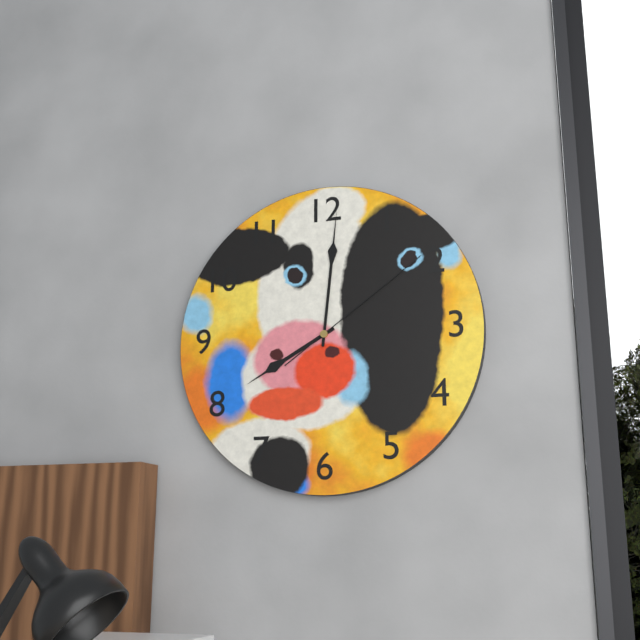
h=8 m=1 s=9
